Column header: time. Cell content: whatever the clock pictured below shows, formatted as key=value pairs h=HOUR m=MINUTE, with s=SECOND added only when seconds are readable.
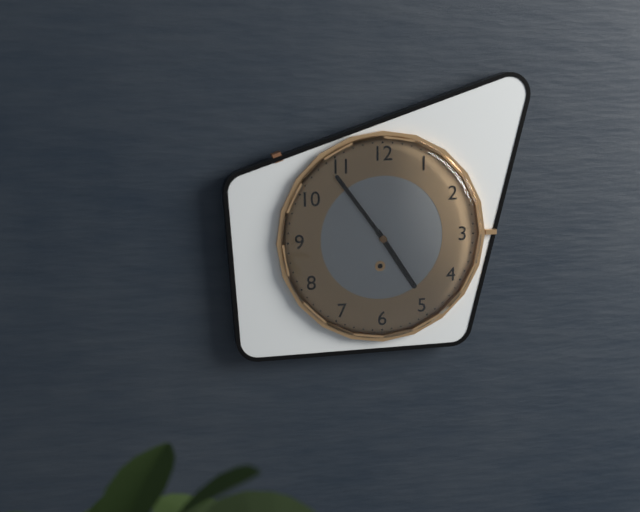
h=4 m=54
